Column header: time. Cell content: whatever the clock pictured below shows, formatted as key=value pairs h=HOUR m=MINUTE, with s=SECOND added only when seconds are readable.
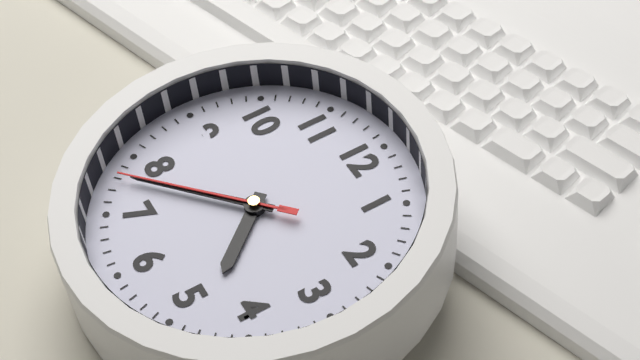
h=4 m=38 s=38
